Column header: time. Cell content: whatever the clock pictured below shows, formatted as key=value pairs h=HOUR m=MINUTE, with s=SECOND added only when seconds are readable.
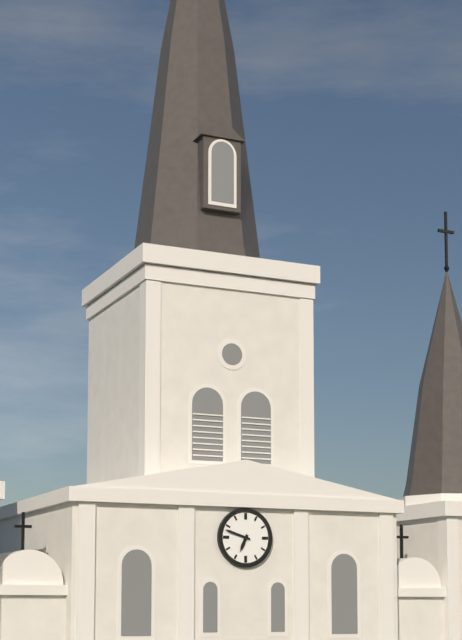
h=6 m=48
